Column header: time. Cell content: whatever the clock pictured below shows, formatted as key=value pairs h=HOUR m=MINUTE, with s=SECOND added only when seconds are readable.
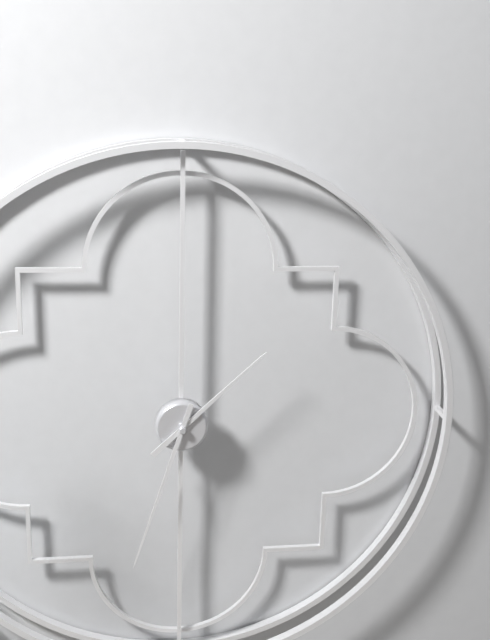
h=1 m=33
